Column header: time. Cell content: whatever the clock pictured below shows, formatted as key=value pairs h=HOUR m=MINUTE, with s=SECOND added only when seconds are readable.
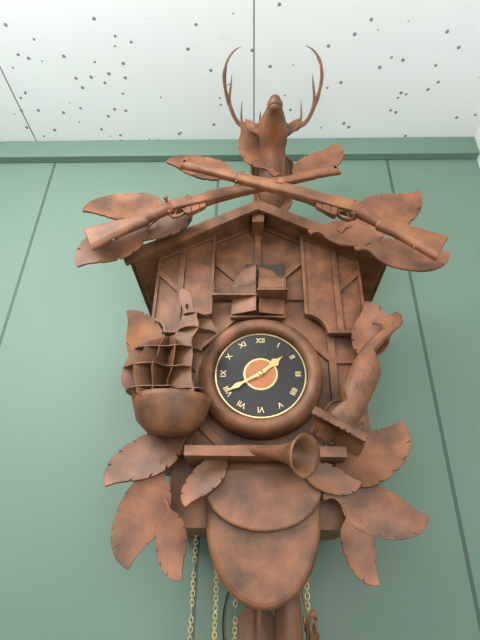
h=1 m=40
